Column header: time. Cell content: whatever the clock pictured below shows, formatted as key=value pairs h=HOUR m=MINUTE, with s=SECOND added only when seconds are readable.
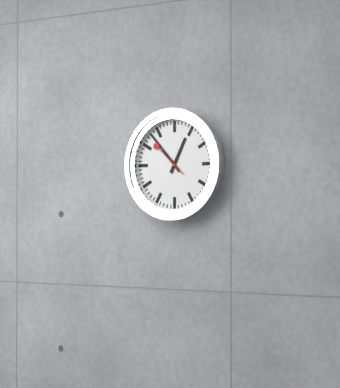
h=12 m=53
